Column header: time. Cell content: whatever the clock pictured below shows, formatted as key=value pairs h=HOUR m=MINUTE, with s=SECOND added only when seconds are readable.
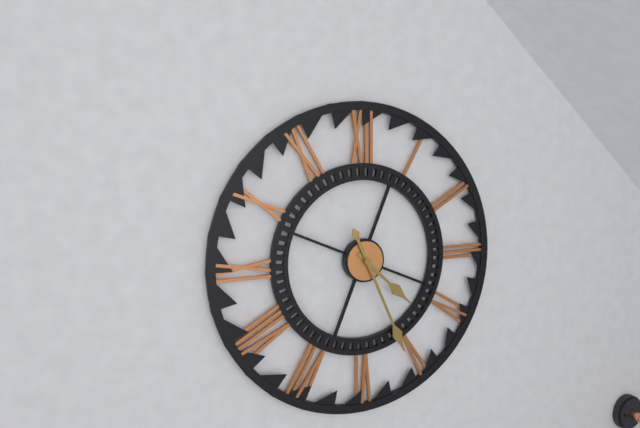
h=4 m=26
